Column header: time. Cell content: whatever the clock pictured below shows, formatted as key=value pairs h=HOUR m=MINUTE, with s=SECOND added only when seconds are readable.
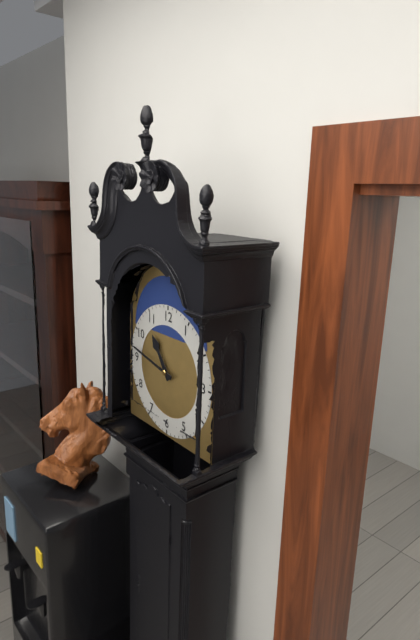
h=10 m=47
